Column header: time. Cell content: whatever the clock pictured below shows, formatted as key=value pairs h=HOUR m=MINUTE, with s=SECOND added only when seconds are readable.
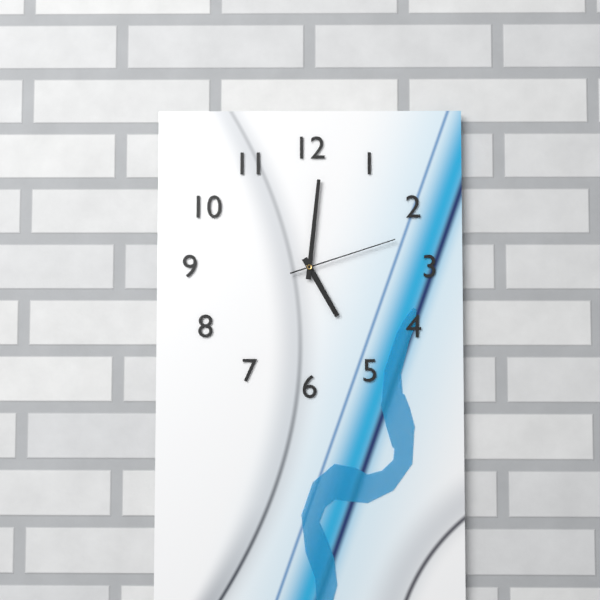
h=5 m=1 s=12
